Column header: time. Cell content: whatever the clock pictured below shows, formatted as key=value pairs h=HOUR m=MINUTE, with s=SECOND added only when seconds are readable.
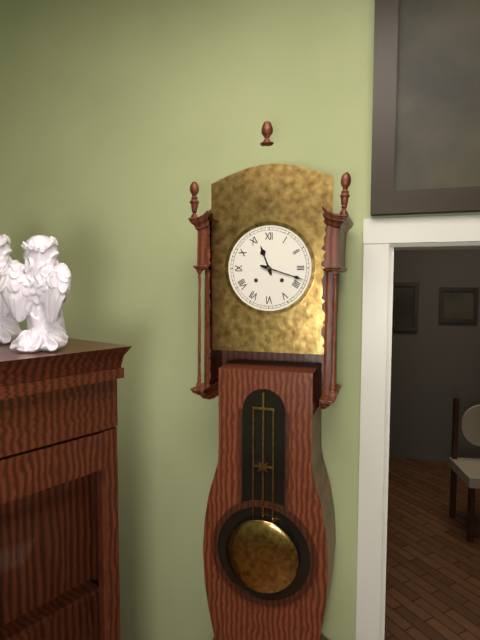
h=11 m=18
